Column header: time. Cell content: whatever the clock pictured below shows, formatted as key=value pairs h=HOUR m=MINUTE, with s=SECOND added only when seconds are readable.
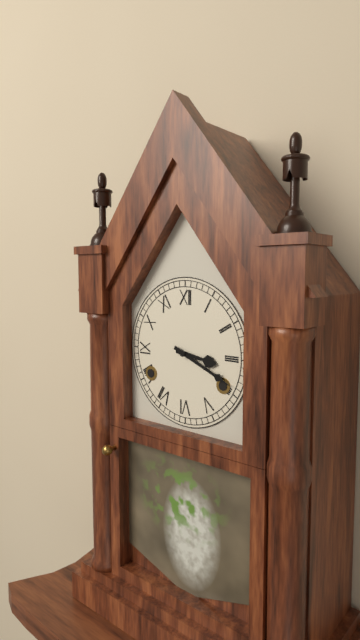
h=3 m=19
